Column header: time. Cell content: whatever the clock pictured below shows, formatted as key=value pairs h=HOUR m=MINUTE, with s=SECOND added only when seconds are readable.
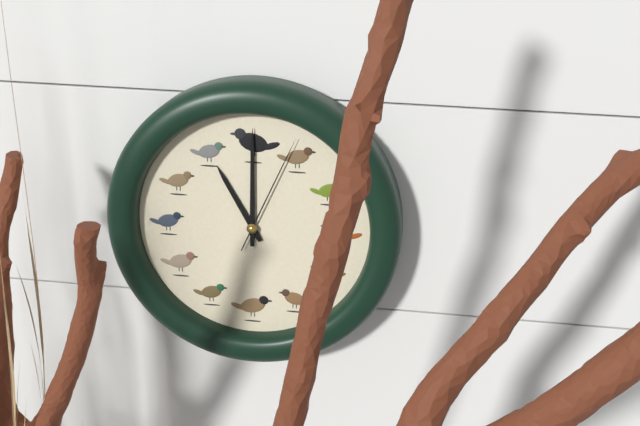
h=11 m=0 s=4
